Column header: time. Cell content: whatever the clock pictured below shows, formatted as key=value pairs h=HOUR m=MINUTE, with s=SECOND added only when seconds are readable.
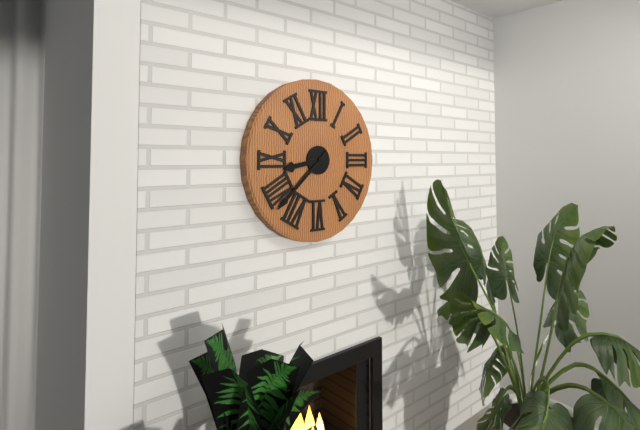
h=8 m=38
